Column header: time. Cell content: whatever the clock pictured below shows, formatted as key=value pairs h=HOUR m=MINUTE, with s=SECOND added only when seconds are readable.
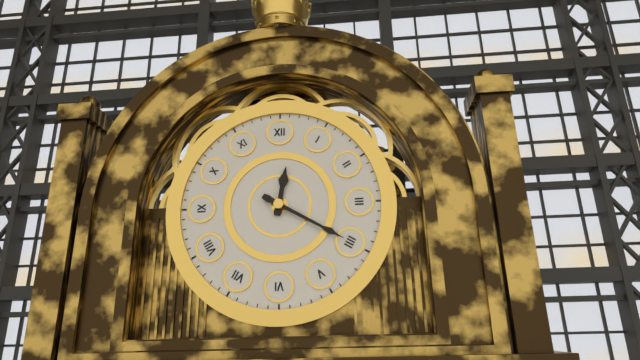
h=12 m=20
